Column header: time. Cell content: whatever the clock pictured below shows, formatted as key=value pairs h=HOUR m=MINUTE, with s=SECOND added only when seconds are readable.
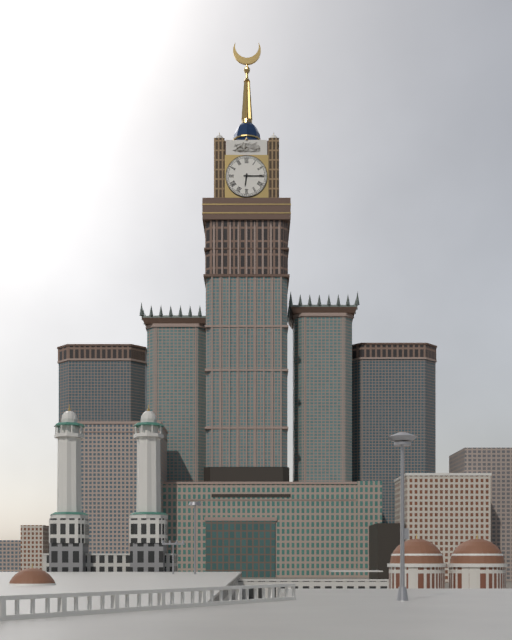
h=6 m=15
